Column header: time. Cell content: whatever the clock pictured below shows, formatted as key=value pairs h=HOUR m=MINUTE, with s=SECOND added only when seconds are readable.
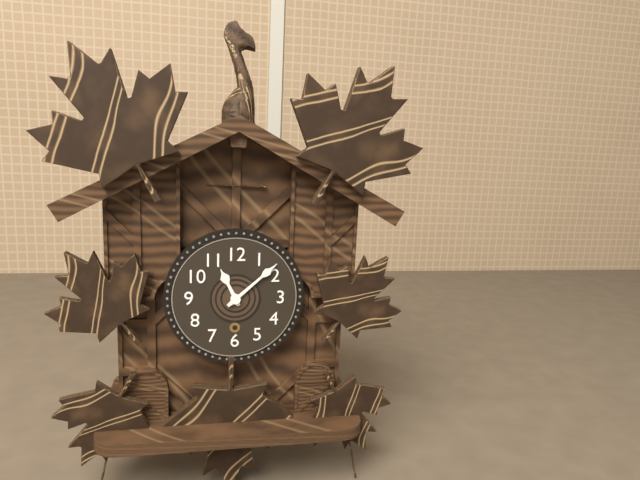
h=11 m=8
